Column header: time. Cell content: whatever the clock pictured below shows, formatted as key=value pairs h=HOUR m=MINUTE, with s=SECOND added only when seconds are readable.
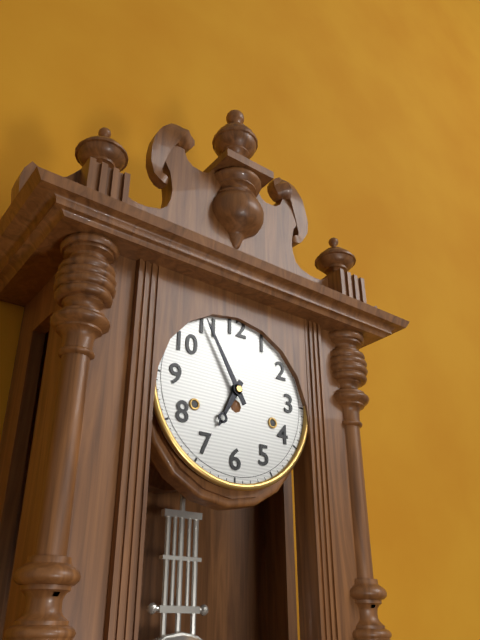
h=6 m=55
